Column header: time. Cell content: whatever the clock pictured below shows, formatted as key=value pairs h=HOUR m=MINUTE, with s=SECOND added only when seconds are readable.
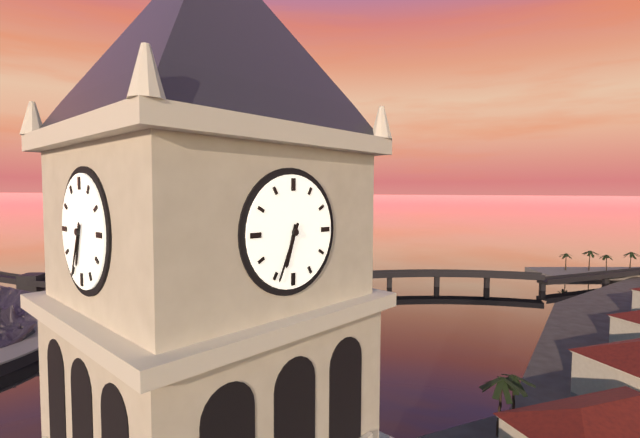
h=6 m=34
